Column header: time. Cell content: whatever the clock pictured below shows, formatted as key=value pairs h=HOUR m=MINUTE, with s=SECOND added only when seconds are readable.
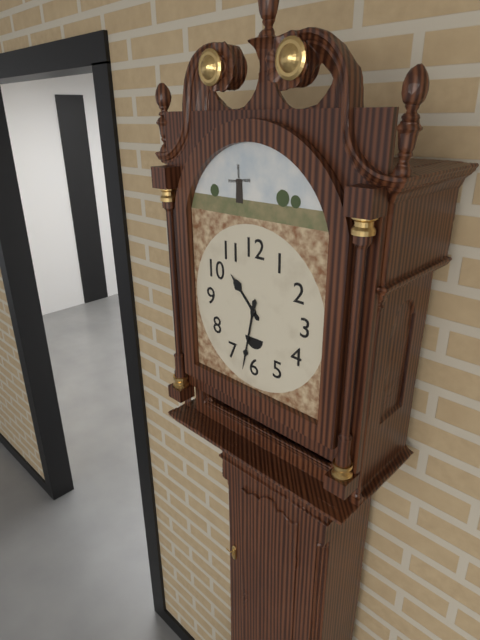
h=10 m=32
